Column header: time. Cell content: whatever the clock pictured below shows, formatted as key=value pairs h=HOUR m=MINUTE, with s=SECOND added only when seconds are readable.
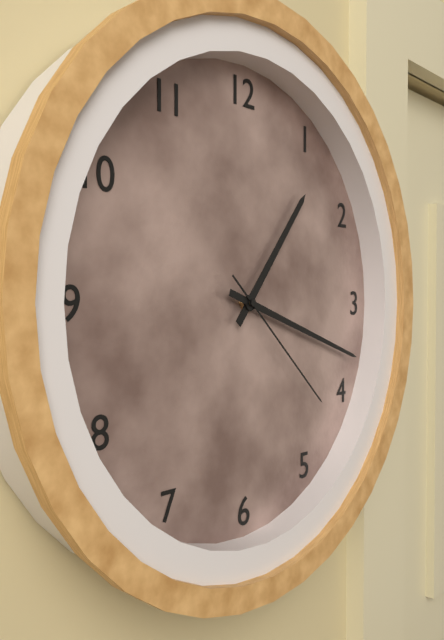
h=1 m=18 s=22
